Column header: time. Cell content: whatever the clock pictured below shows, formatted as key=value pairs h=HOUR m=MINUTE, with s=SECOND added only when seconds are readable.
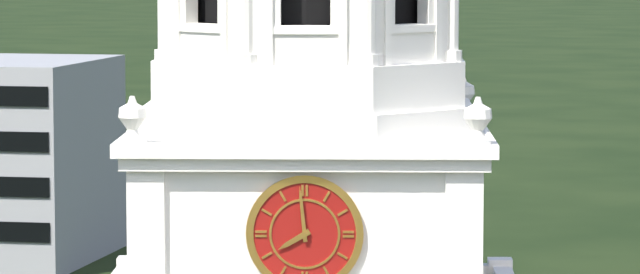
h=7 m=59
